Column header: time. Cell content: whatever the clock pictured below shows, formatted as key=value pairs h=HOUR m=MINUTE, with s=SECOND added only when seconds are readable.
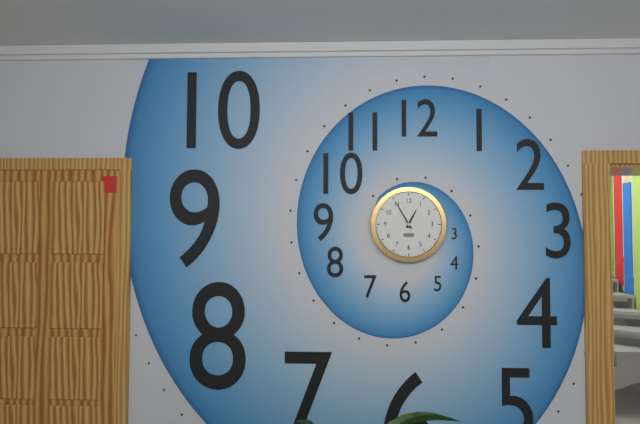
h=12 m=55
